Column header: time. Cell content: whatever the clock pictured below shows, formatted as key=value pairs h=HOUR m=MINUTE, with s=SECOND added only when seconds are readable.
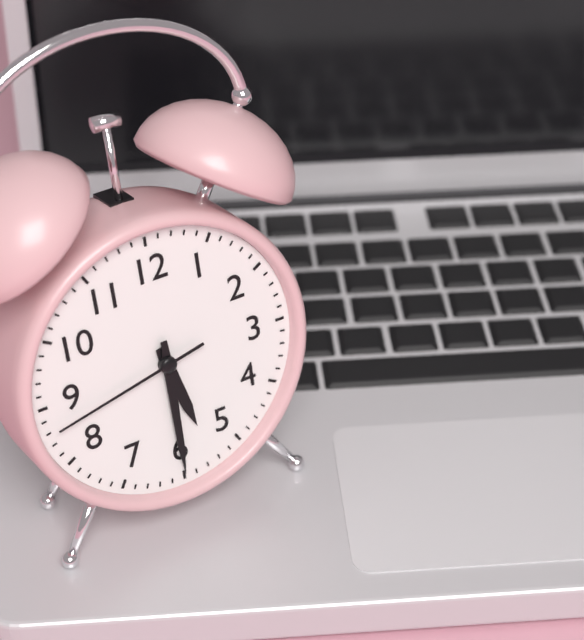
h=5 m=30 s=43
